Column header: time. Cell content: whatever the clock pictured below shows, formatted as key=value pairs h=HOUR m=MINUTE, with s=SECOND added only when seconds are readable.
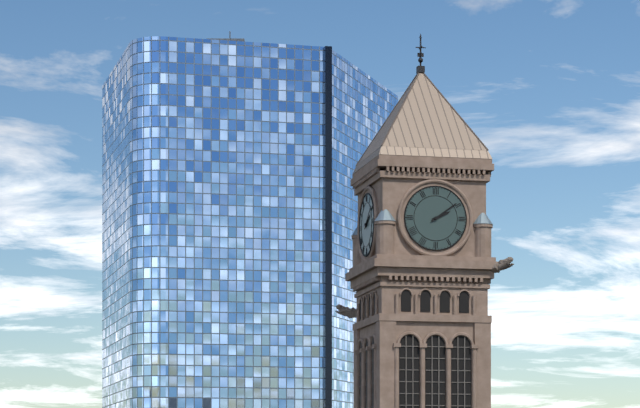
h=2 m=9
